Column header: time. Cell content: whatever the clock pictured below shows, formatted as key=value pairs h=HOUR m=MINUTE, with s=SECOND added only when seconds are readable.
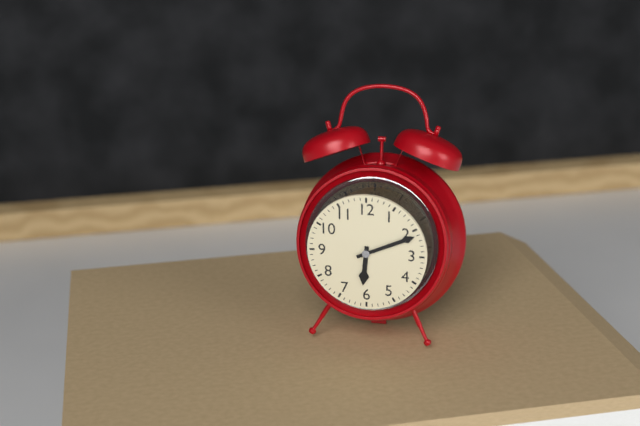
h=6 m=11
